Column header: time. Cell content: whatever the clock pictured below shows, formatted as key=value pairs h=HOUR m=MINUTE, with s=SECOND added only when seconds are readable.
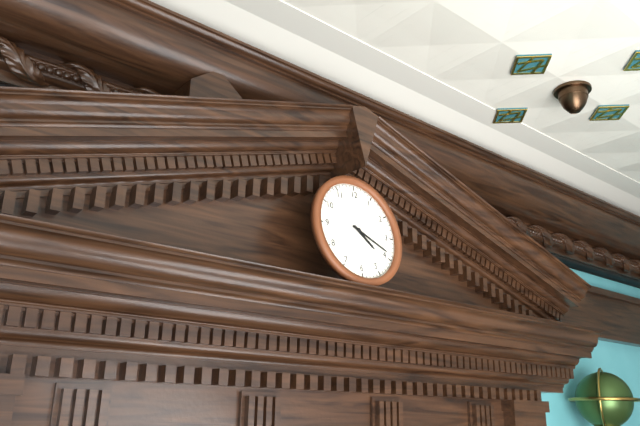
h=4 m=19
